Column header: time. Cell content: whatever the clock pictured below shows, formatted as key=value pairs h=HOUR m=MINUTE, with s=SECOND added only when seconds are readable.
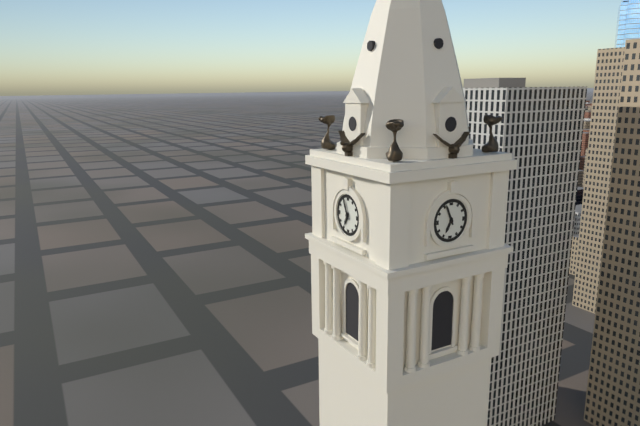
h=6 m=56
